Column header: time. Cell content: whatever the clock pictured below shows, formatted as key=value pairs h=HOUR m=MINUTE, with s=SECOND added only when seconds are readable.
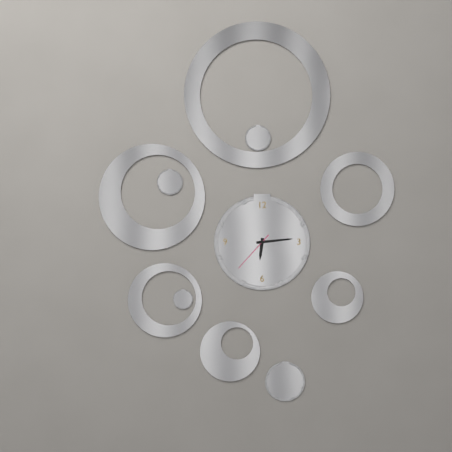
h=6 m=14
